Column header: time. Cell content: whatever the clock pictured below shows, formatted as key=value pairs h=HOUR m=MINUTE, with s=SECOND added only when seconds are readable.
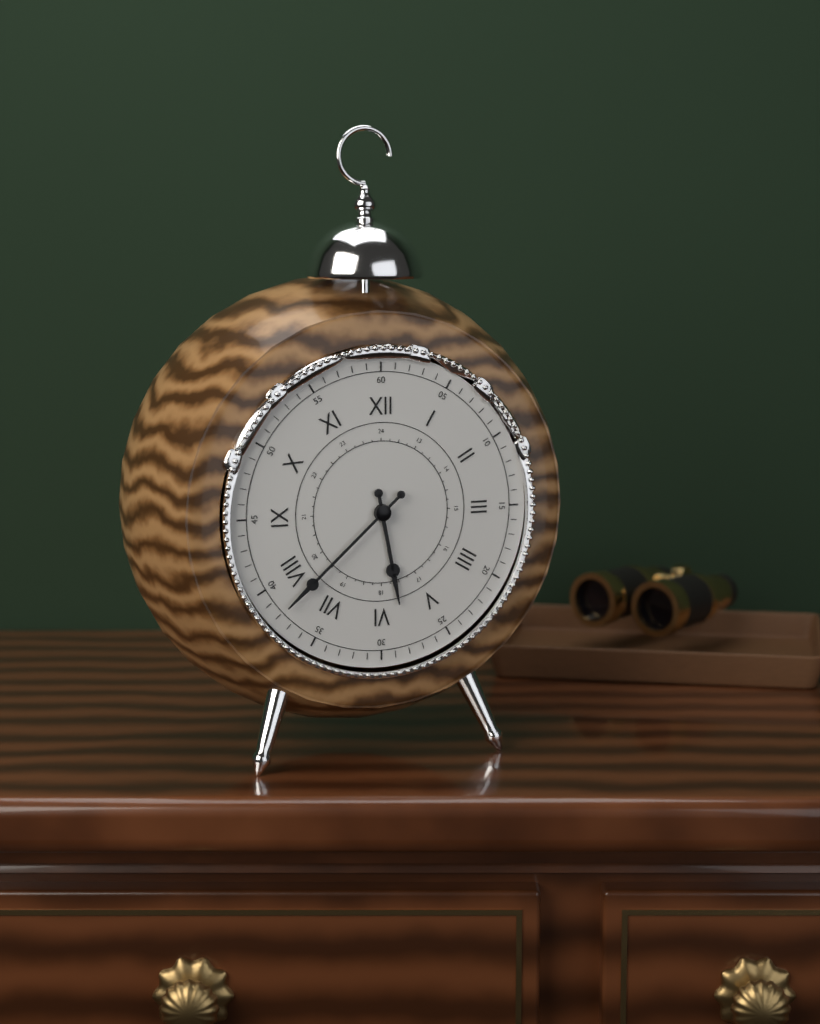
h=5 m=38
